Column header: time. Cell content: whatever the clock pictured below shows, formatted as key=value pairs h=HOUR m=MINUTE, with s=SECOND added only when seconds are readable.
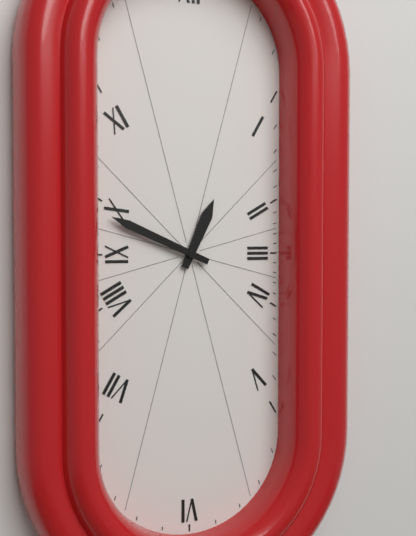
h=12 m=49
